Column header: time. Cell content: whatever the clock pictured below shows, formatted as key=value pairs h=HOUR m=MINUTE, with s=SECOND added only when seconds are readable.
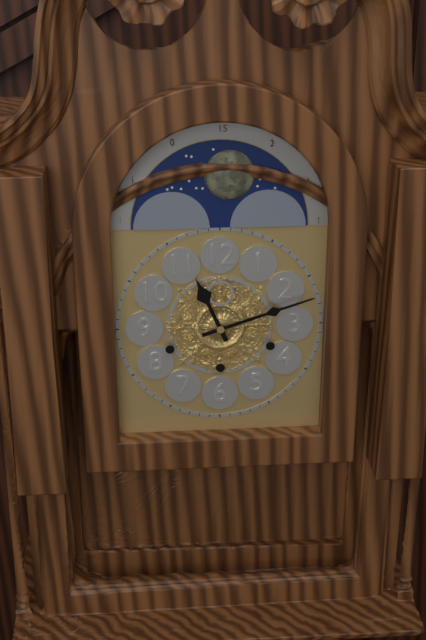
h=11 m=12
